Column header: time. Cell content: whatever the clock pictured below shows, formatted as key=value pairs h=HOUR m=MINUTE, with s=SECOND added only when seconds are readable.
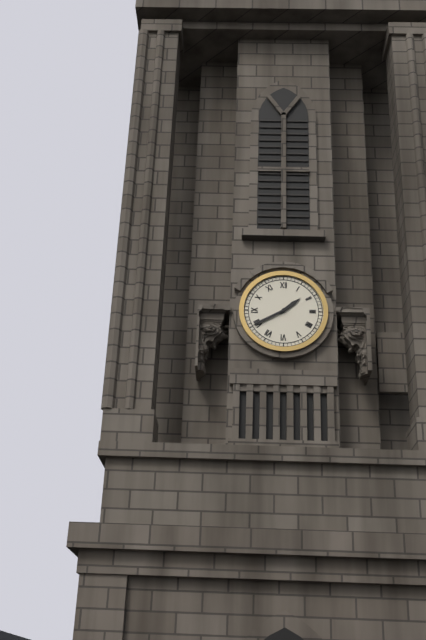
h=1 m=40
